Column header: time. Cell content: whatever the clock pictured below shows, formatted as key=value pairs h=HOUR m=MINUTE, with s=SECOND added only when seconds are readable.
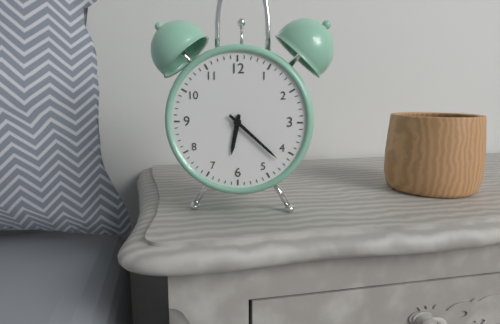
h=6 m=22
